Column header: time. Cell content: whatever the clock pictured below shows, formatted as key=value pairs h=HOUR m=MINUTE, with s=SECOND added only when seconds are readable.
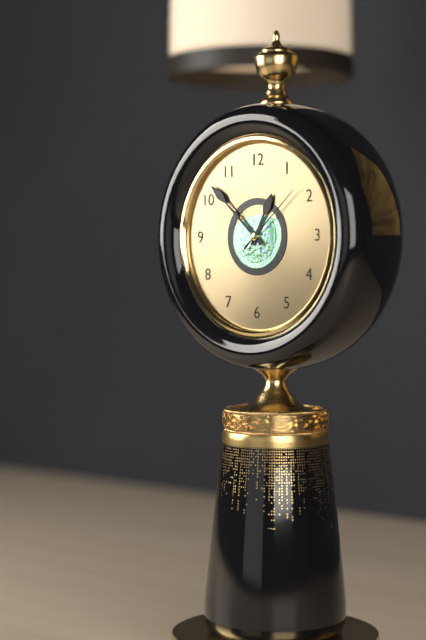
h=12 m=52 s=8
